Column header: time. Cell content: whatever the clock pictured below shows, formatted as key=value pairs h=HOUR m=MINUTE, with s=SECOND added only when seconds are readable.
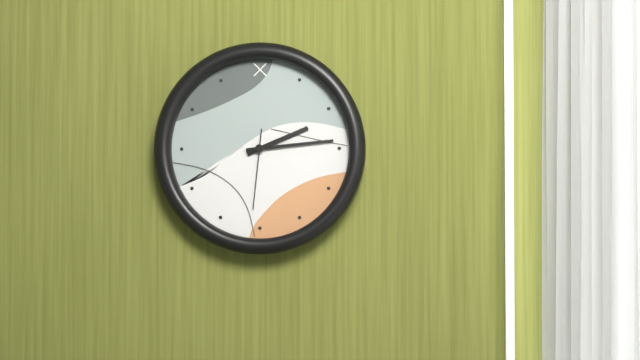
h=2 m=14 s=31
